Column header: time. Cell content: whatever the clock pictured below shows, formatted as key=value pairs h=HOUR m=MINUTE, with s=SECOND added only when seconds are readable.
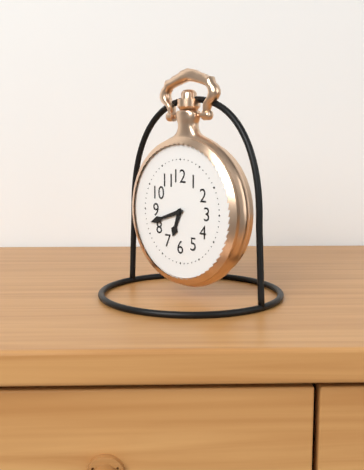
h=6 m=42
